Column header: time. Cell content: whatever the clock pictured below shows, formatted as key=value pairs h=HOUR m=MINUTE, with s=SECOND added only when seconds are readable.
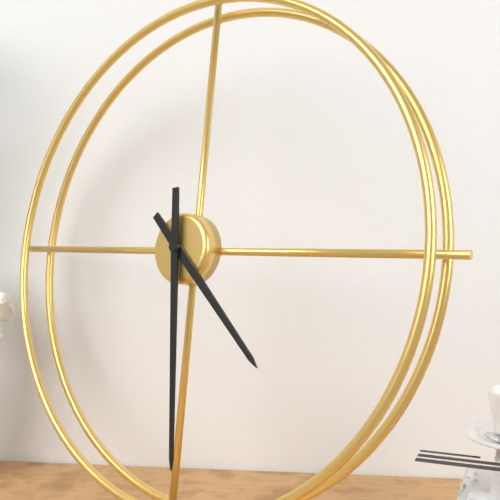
h=4 m=29
